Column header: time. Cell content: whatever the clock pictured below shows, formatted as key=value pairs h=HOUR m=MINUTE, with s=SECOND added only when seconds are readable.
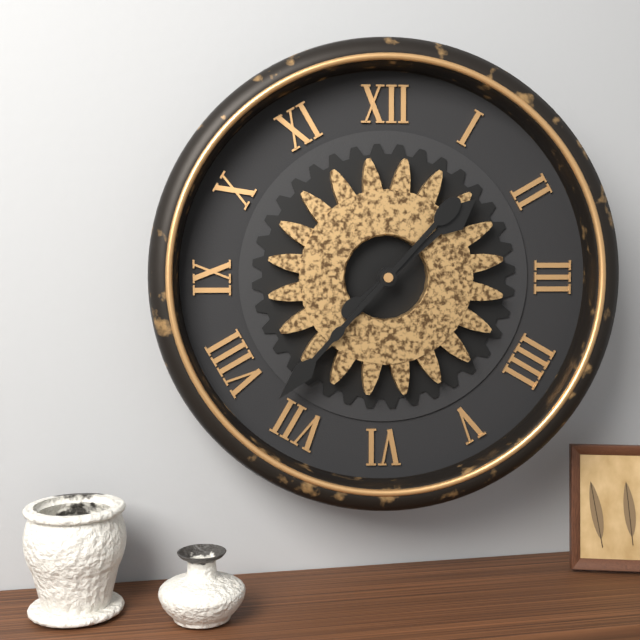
h=1 m=37
